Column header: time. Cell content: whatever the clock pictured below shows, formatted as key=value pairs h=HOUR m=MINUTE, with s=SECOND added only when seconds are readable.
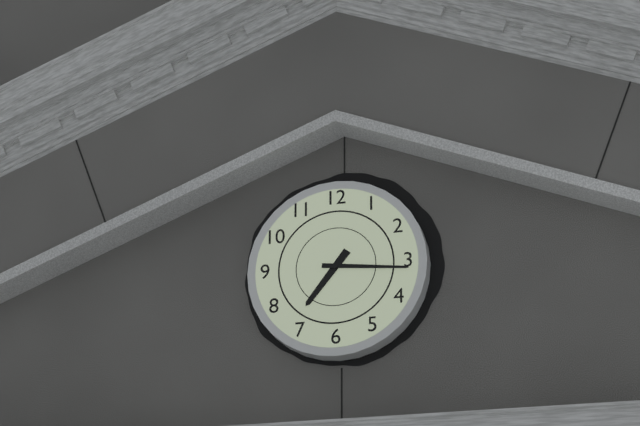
h=7 m=16
